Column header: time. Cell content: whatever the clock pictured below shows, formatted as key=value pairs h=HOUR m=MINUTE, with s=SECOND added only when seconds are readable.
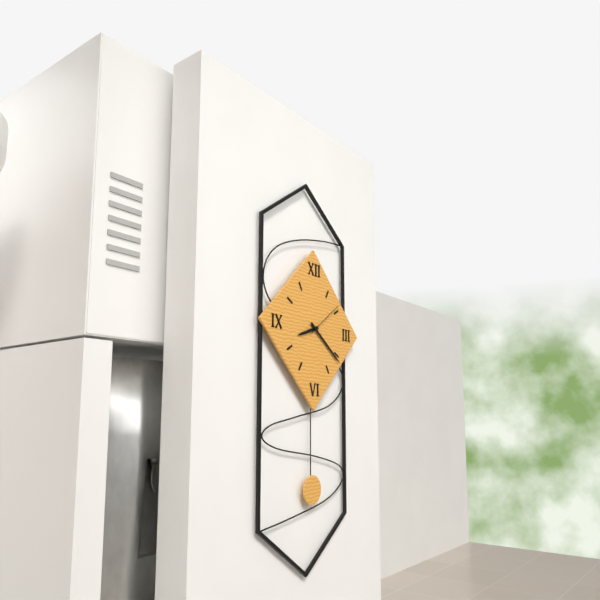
h=8 m=21 s=9
